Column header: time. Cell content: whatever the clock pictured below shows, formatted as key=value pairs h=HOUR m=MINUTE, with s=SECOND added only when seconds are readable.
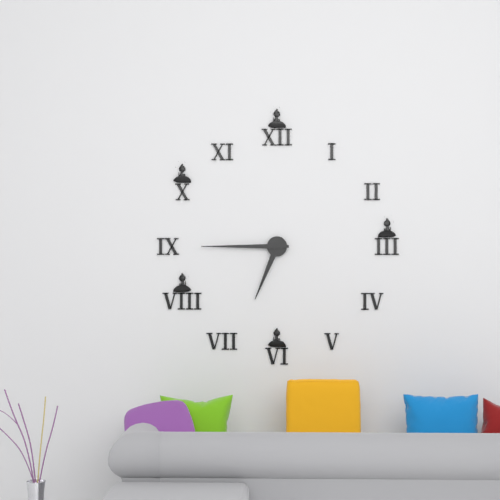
h=6 m=45
